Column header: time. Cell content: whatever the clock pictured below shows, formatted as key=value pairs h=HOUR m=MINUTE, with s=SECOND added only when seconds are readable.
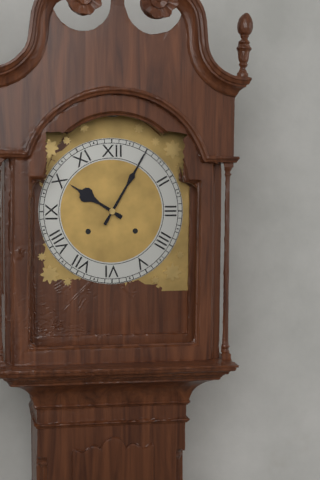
h=10 m=5
